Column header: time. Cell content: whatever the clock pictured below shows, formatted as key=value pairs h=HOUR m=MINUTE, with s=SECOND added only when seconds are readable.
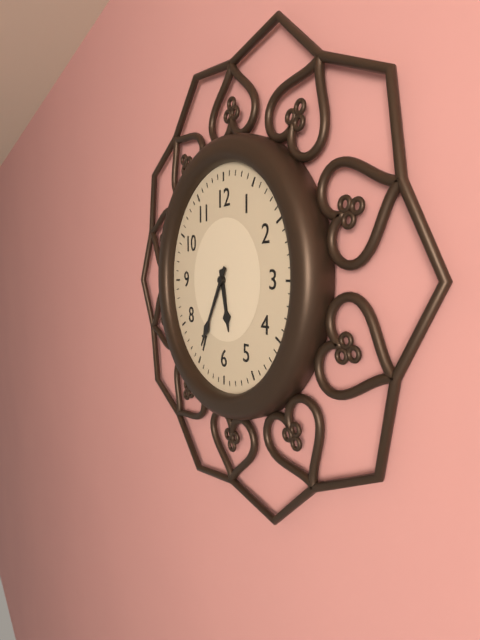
h=5 m=35
